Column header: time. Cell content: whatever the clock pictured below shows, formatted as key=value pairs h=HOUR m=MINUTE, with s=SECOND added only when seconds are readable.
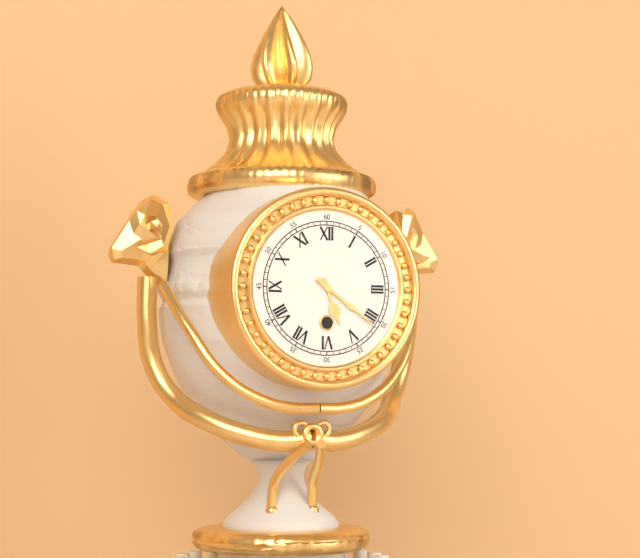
h=5 m=21
